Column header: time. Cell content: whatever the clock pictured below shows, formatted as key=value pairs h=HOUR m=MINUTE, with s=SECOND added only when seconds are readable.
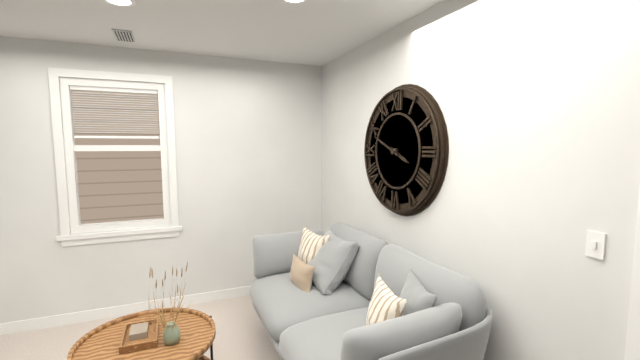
h=3 m=49
